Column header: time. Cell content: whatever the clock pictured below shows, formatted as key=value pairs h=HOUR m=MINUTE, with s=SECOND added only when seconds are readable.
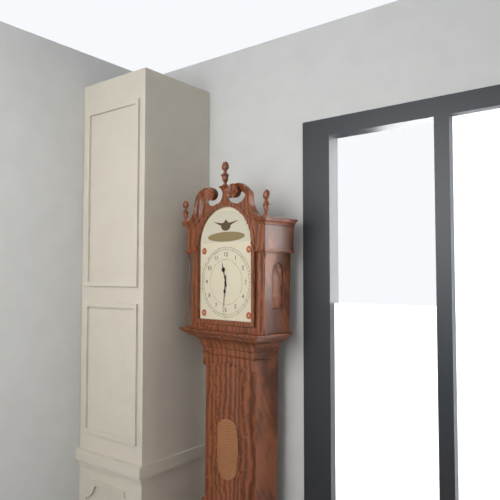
h=11 m=31
